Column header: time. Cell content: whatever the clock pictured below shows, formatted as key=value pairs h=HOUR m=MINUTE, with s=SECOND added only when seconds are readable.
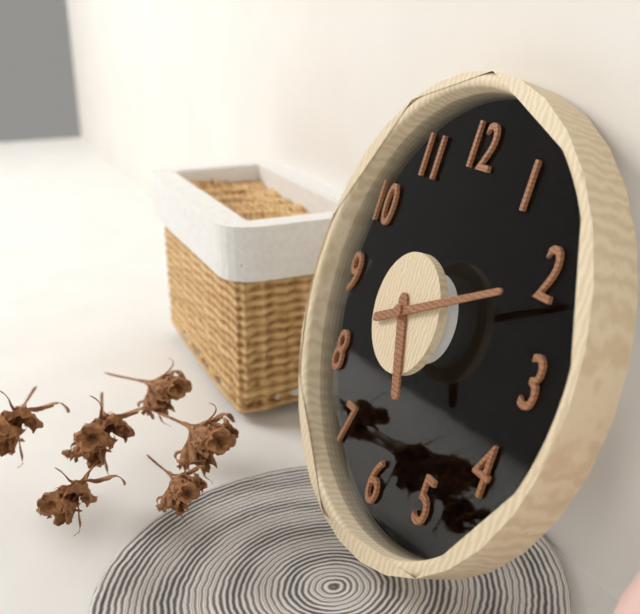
h=5 m=11
